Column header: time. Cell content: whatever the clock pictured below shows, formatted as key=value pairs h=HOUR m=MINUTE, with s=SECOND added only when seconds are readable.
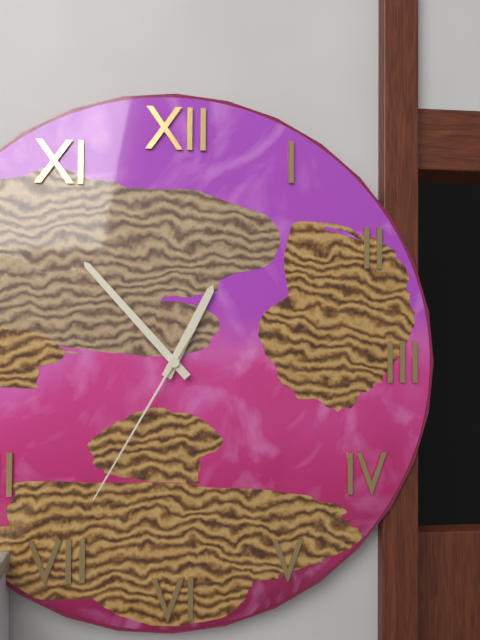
h=12 m=53 s=35
